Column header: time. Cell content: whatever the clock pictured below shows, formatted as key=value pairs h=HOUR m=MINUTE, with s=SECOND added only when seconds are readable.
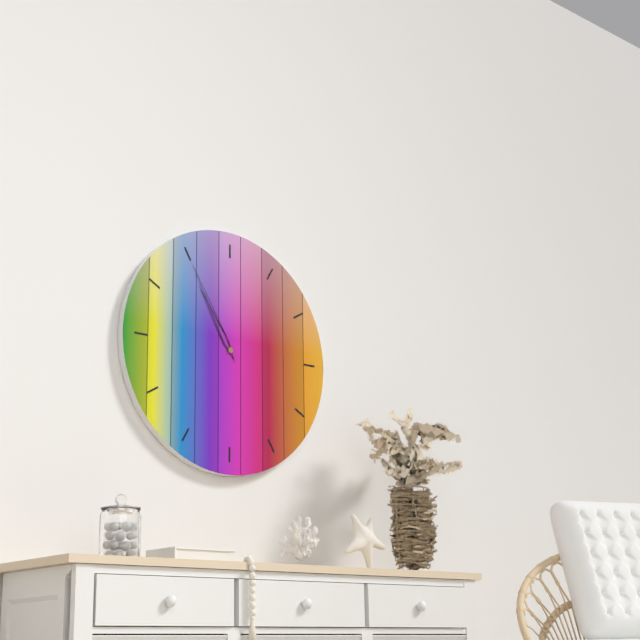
h=10 m=55
